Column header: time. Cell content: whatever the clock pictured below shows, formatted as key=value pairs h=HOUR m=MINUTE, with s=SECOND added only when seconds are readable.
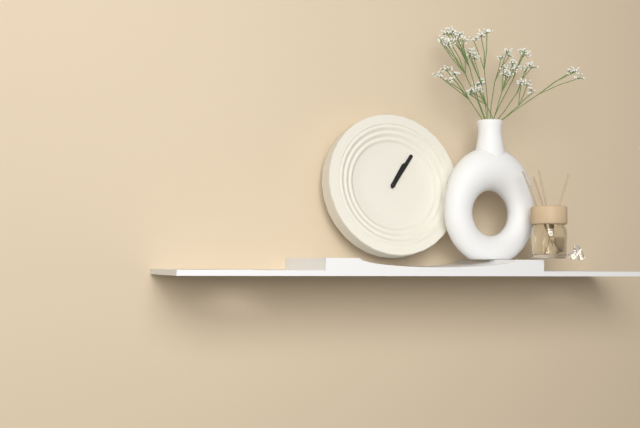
h=1 m=6
